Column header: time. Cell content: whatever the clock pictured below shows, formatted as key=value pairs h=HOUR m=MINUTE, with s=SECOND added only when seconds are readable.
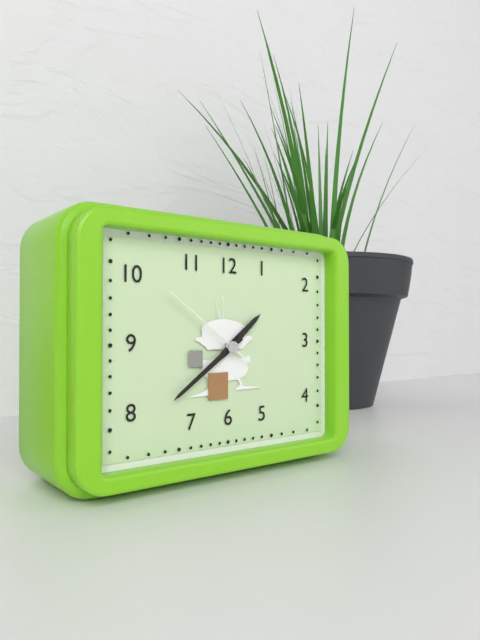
h=1 m=39 s=51
